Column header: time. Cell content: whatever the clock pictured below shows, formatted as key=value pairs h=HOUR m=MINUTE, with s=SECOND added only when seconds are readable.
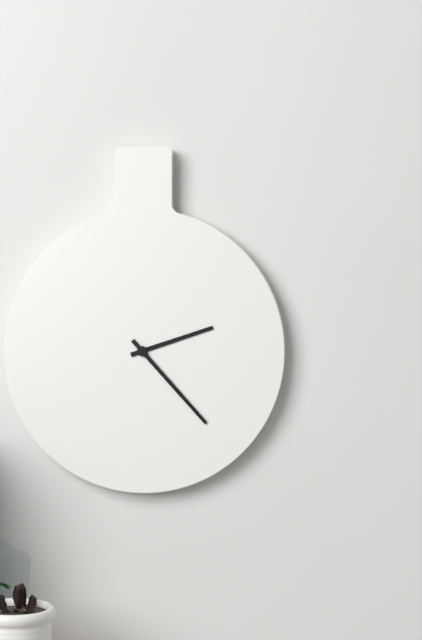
h=2 m=23
